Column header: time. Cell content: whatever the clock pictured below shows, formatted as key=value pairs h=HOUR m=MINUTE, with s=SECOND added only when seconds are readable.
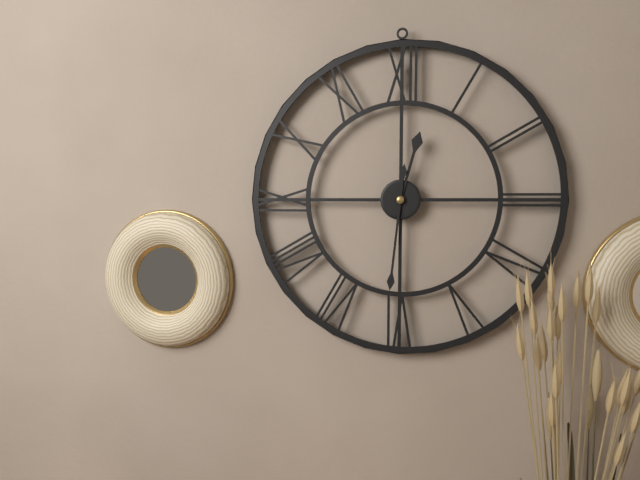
h=12 m=31
